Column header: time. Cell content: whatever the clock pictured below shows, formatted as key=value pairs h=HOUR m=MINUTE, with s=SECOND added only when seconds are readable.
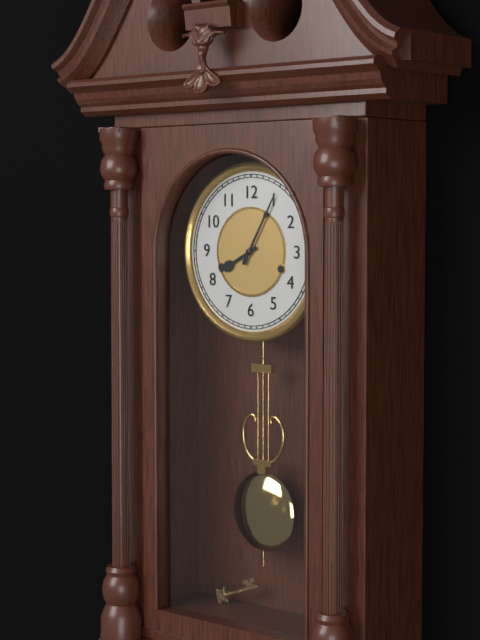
h=8 m=5
